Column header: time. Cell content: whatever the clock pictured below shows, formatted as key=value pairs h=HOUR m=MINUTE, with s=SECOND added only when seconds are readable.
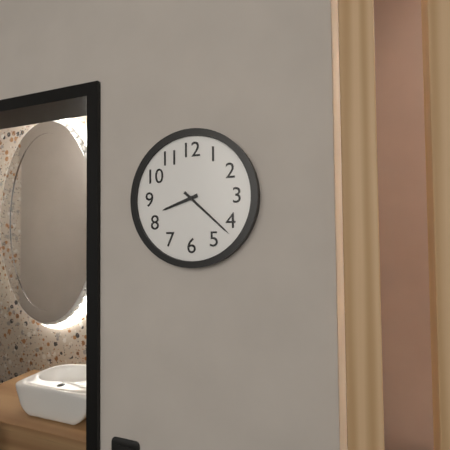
h=8 m=22
